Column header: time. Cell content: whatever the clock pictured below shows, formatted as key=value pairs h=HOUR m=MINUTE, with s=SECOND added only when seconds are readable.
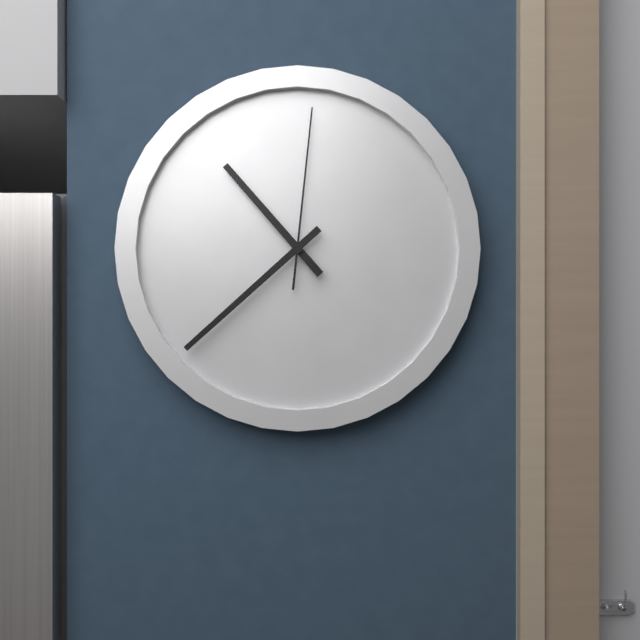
h=10 m=38 s=1
